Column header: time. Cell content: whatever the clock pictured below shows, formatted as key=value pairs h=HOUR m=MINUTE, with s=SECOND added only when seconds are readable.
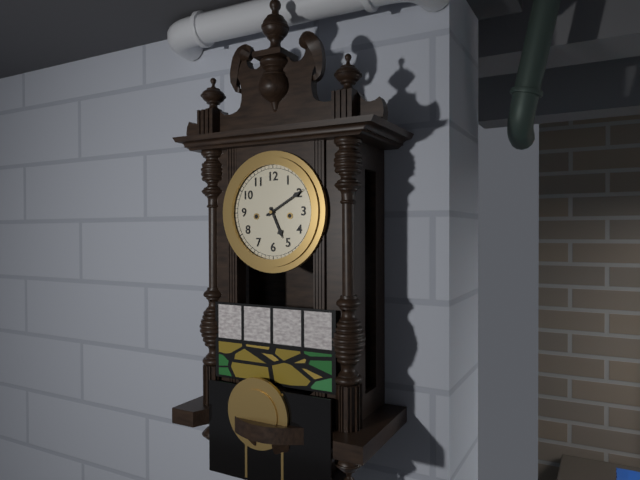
h=5 m=10
